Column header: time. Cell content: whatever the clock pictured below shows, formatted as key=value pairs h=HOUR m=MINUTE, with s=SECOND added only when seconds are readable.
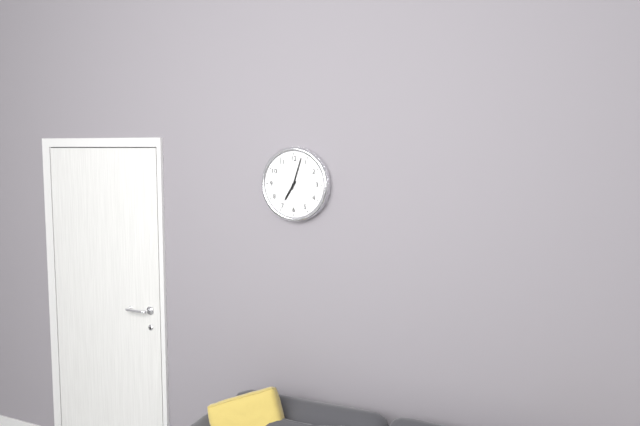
h=7 m=3
